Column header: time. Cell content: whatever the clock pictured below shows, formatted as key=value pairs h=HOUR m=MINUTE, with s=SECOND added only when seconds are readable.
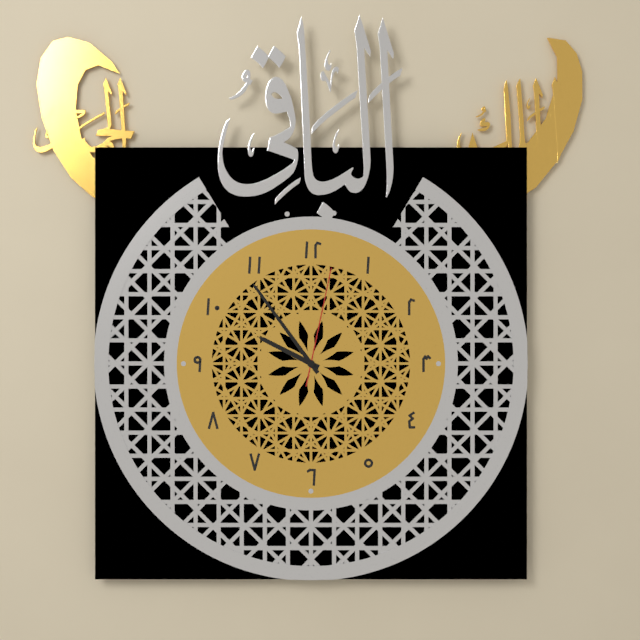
h=9 m=54 s=2
